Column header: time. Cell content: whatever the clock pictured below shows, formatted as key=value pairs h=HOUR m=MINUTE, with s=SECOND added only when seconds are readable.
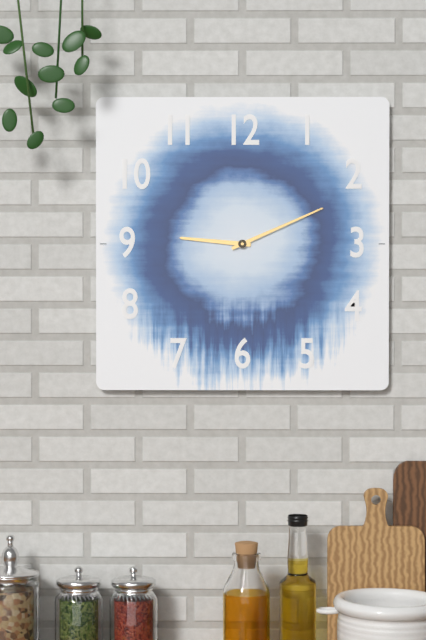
h=9 m=11
